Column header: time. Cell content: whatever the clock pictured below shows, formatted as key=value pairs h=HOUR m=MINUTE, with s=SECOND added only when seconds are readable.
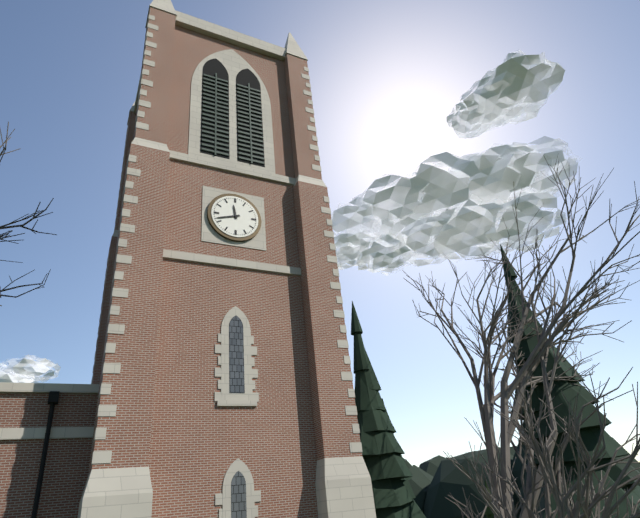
h=11 m=42
